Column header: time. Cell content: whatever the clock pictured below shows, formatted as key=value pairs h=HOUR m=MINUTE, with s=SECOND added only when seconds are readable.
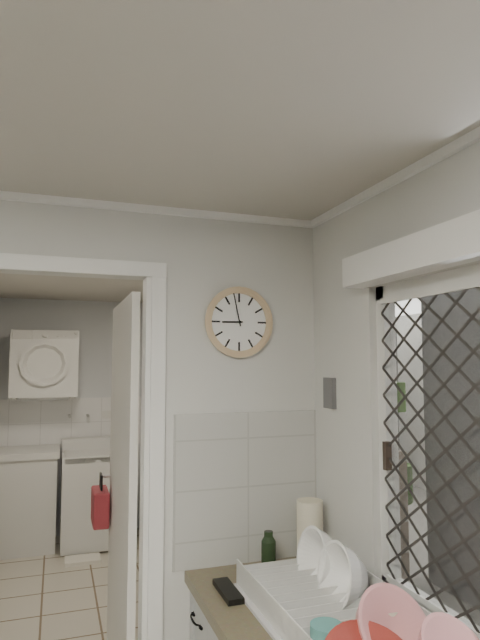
h=8 m=58
